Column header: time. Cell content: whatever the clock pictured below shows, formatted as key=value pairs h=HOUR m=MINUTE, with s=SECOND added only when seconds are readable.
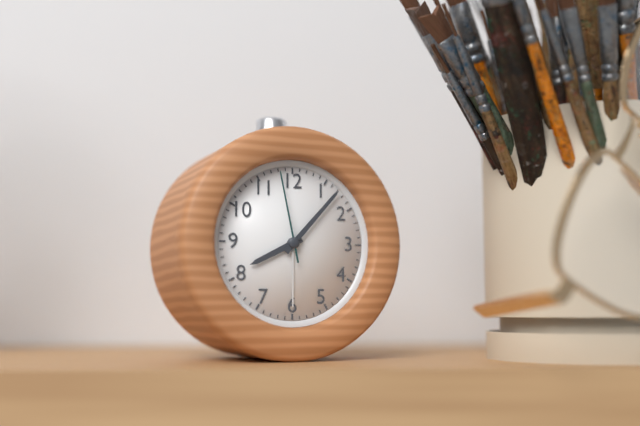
h=8 m=7 s=58
